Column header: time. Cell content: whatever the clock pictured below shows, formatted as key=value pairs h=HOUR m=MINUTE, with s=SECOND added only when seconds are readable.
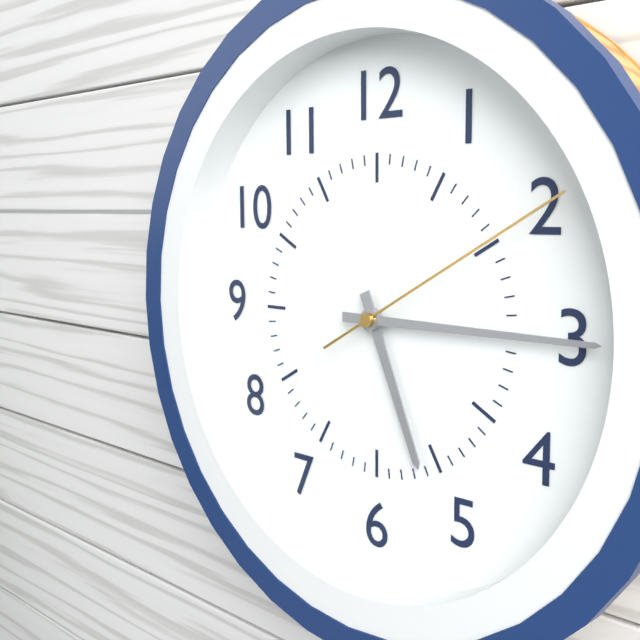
h=5 m=15 s=10
